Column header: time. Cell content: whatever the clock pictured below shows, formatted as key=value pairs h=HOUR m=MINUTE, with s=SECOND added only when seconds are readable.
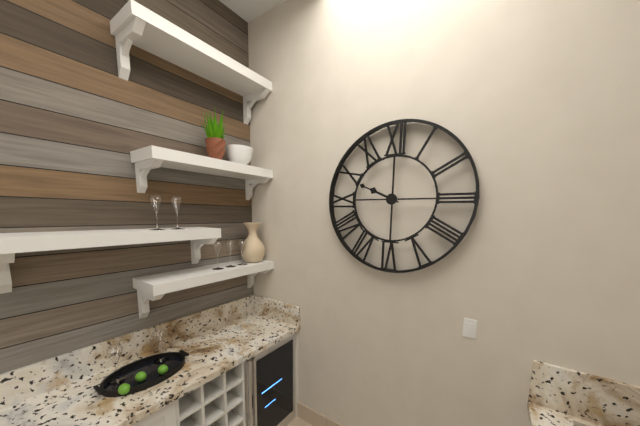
h=9 m=49
